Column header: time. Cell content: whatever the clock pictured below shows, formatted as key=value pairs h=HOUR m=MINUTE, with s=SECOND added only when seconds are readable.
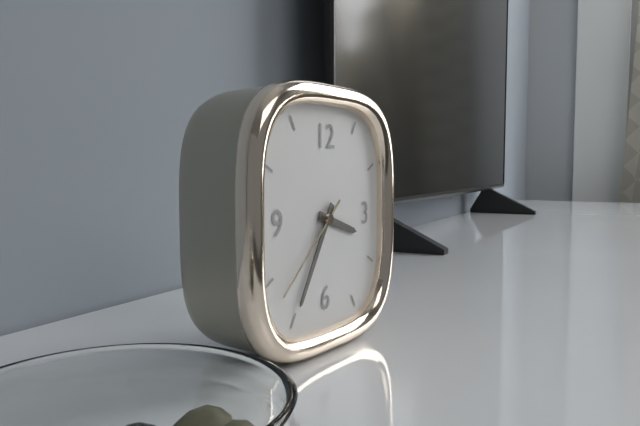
h=3 m=35 s=38
